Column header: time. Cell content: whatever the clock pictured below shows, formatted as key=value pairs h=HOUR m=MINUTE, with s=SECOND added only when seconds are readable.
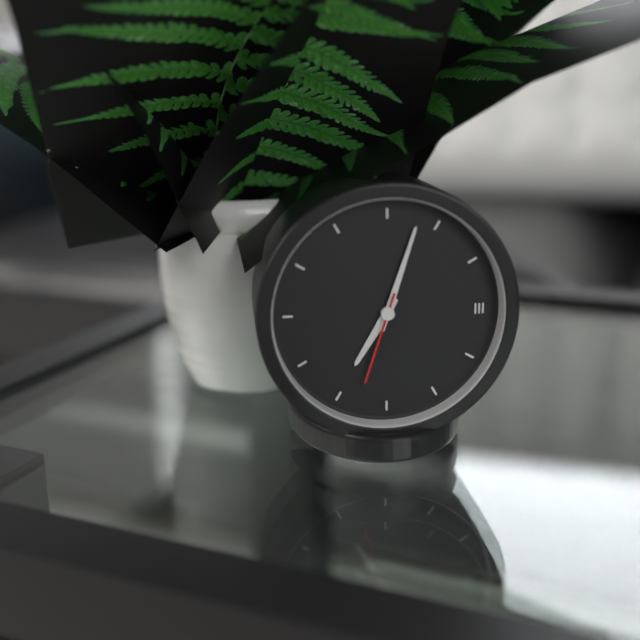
h=7 m=3 s=33
